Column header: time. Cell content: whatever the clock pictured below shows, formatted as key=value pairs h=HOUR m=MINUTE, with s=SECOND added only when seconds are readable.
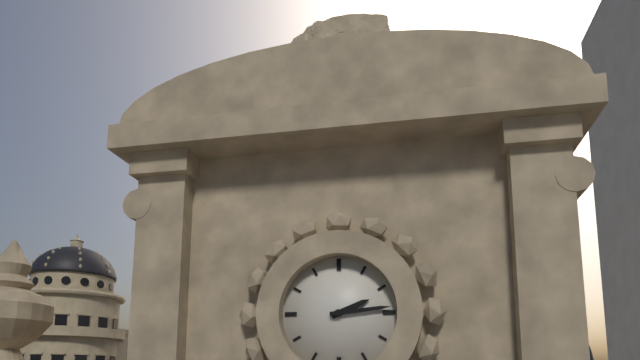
h=2 m=14
